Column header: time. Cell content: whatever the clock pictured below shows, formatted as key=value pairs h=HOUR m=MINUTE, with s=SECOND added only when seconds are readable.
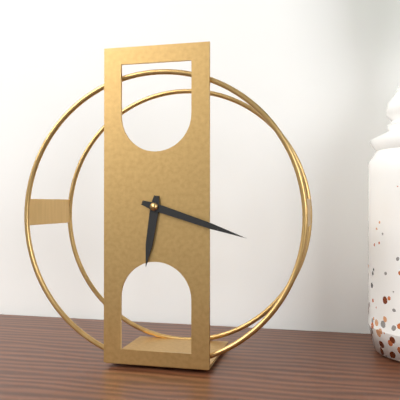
h=6 m=18
